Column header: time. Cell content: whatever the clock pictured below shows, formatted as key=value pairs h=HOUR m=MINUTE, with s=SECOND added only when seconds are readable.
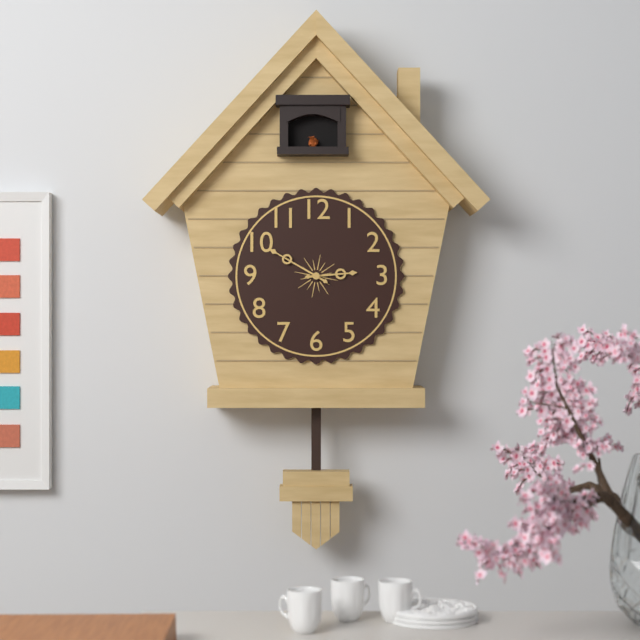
h=2 m=50
